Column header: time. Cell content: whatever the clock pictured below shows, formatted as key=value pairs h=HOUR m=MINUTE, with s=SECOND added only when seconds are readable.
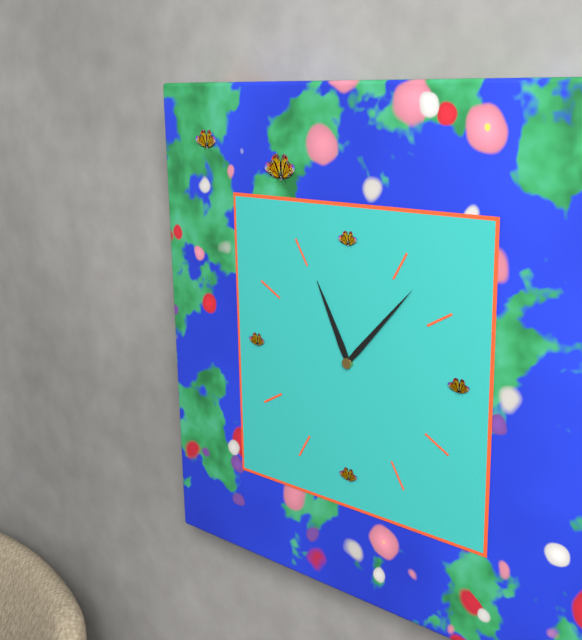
h=11 m=7
